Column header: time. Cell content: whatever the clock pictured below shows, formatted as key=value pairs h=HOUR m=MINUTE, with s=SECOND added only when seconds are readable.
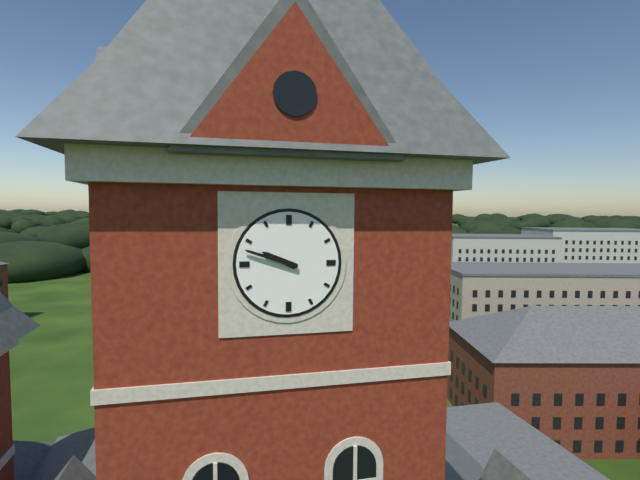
h=9 m=48
